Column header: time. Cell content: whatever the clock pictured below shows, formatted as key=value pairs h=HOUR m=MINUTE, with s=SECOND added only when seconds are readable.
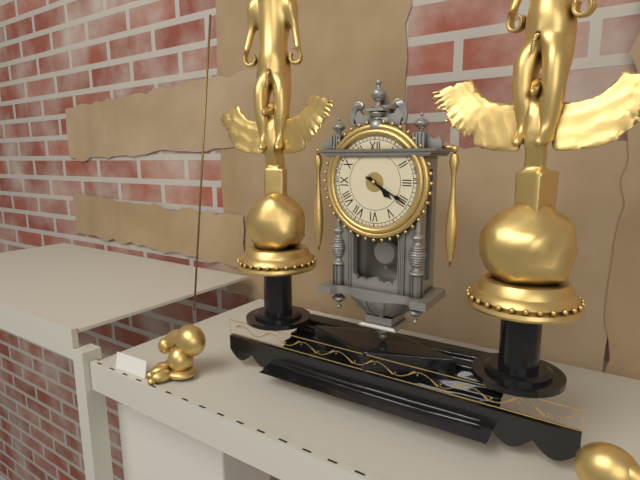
h=4 m=20
